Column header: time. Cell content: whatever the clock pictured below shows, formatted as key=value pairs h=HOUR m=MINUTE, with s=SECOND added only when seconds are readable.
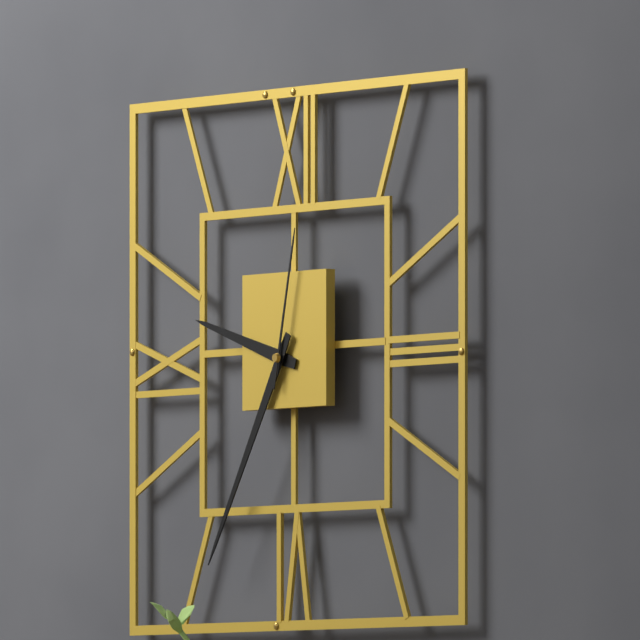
h=9 m=35 s=2
